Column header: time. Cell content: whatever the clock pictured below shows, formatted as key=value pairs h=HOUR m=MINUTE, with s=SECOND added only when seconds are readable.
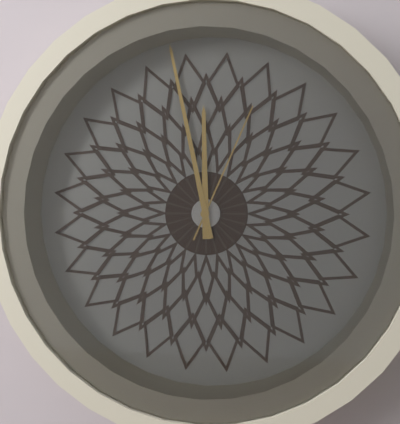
h=11 m=58 s=4
